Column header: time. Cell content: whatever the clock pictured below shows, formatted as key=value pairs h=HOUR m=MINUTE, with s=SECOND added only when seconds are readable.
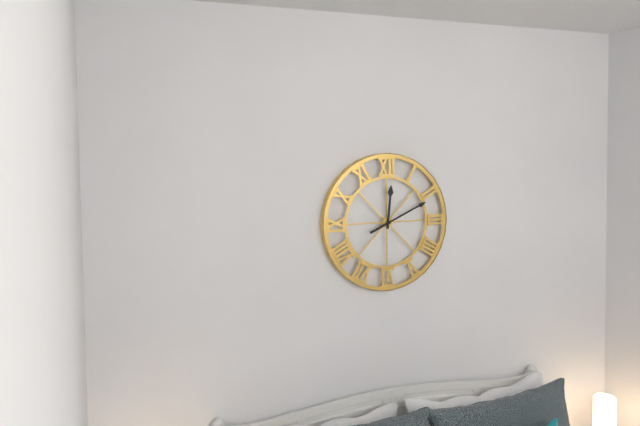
h=12 m=11
